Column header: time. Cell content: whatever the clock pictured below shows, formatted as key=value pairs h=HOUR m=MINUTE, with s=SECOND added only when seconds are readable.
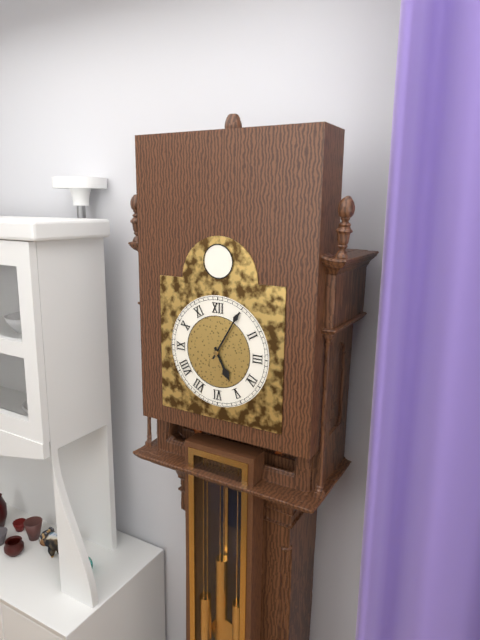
h=5 m=5
